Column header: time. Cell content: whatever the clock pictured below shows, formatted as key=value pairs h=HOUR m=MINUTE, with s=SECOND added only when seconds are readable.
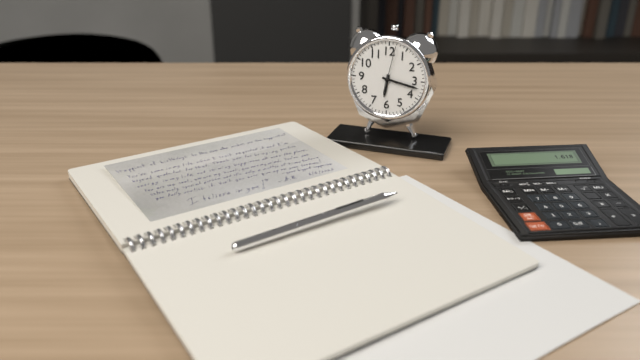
h=6 m=17
